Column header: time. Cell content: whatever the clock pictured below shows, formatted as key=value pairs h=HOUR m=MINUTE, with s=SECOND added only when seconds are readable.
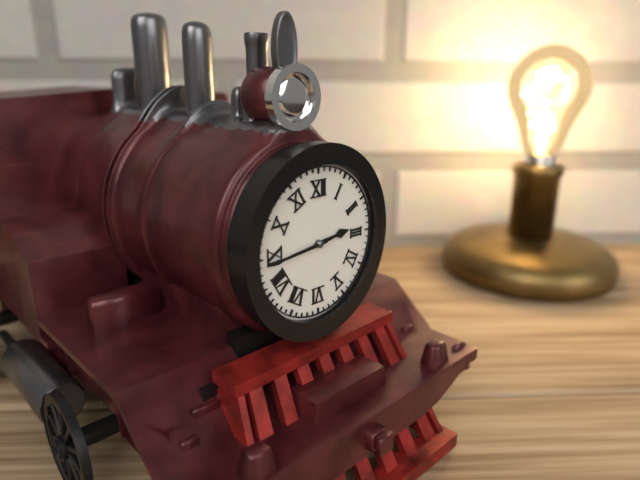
h=2 m=44
